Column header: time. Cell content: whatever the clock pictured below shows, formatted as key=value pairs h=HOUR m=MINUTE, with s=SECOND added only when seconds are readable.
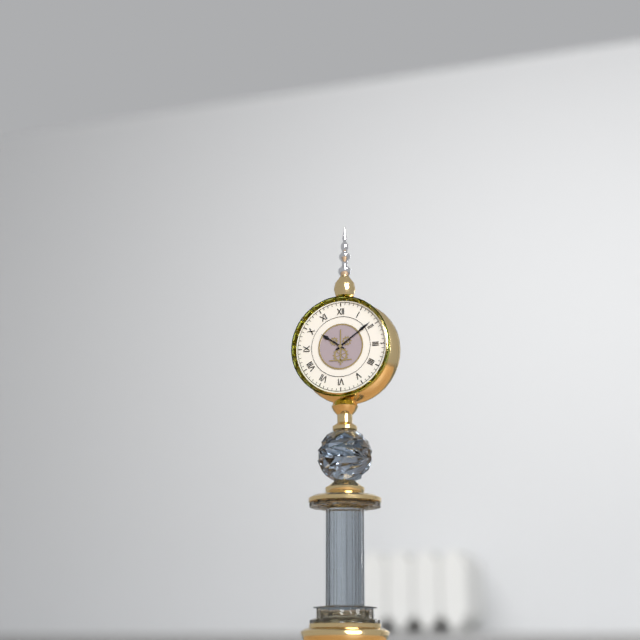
h=10 m=9
